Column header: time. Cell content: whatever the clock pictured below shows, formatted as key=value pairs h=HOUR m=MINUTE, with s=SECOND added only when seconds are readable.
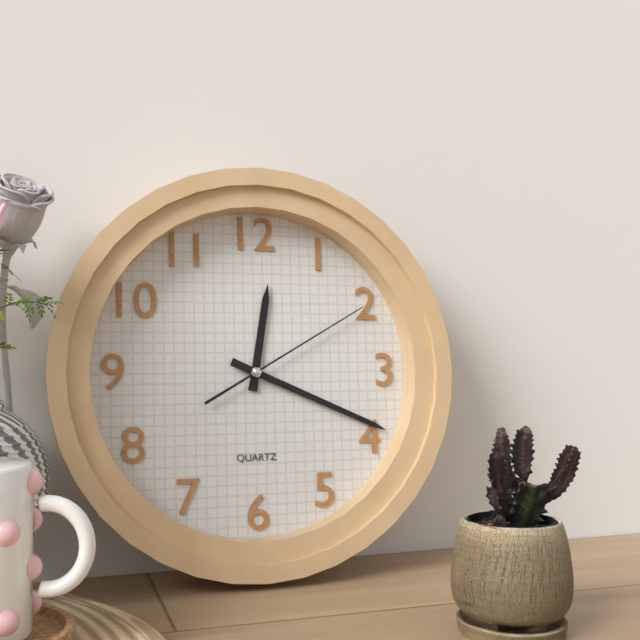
h=12 m=19 s=10
